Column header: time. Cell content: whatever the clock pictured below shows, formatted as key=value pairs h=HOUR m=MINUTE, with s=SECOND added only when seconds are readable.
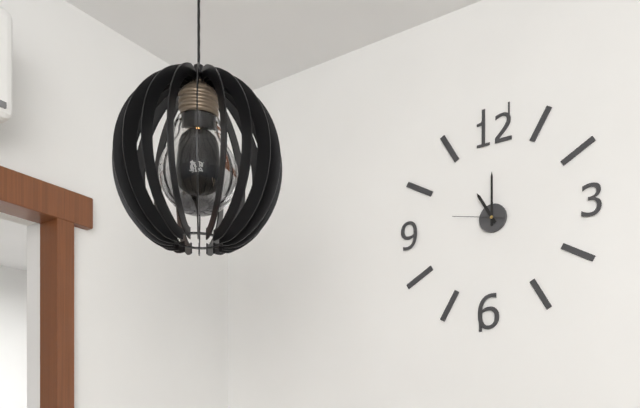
h=11 m=0
